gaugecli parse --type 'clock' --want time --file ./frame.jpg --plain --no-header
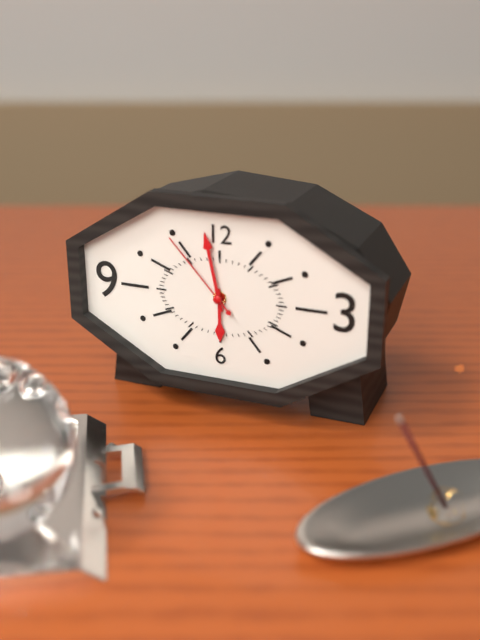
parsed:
5:58:53
